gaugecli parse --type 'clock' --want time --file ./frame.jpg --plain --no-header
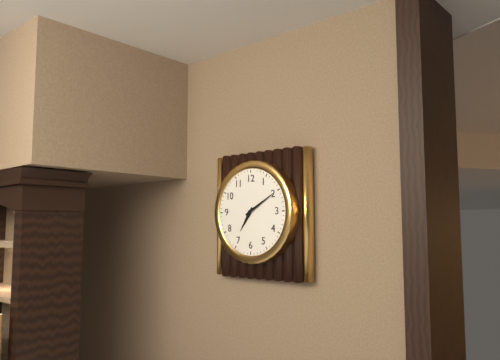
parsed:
7:10
